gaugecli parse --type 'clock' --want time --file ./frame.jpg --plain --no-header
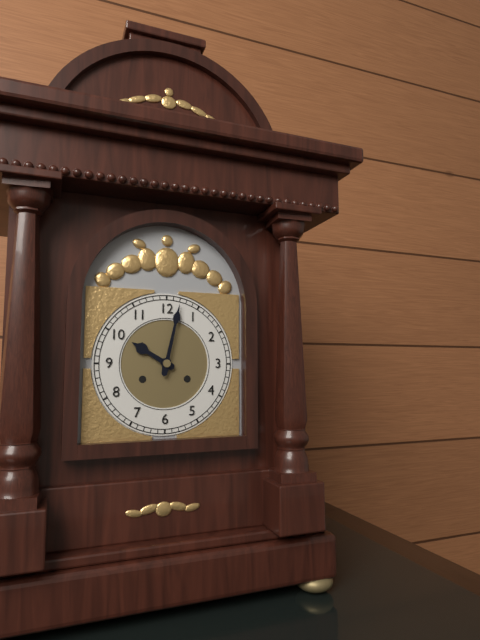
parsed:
10:02
